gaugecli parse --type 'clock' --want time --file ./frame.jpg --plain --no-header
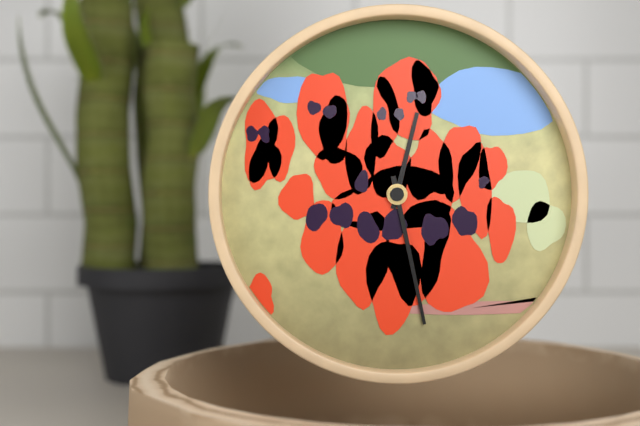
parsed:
12:28
